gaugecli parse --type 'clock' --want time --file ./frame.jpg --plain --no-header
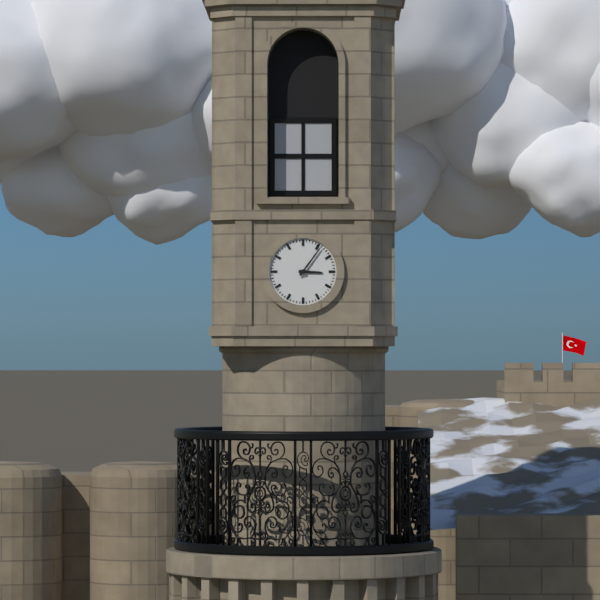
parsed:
3:06
